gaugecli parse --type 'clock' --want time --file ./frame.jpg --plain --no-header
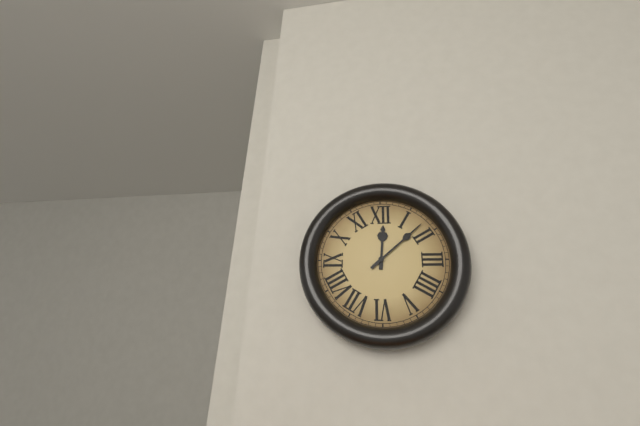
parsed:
12:08
